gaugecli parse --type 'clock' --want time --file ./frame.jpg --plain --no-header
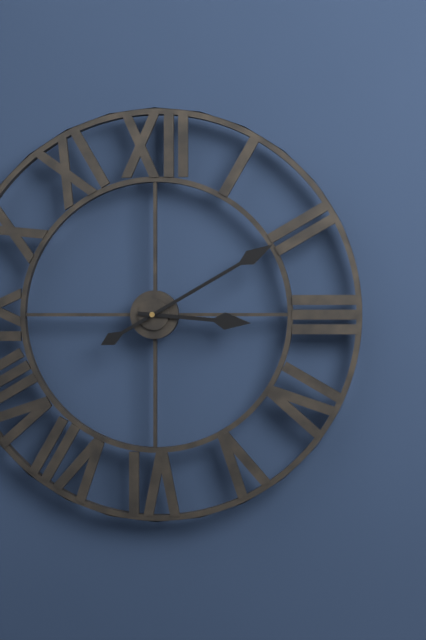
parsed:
3:10
